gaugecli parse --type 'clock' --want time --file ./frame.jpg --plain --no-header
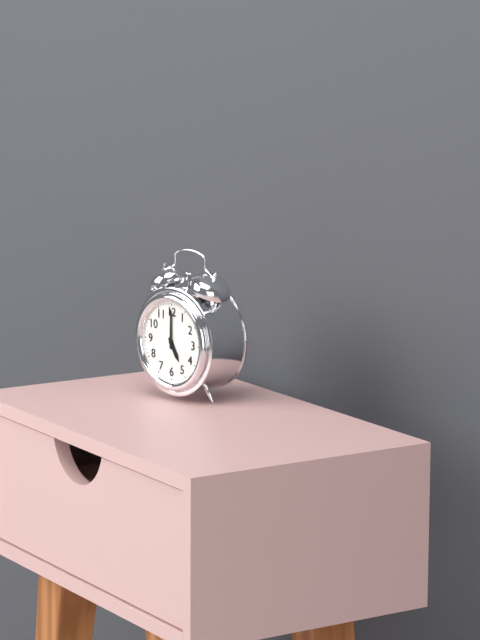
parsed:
5:00
